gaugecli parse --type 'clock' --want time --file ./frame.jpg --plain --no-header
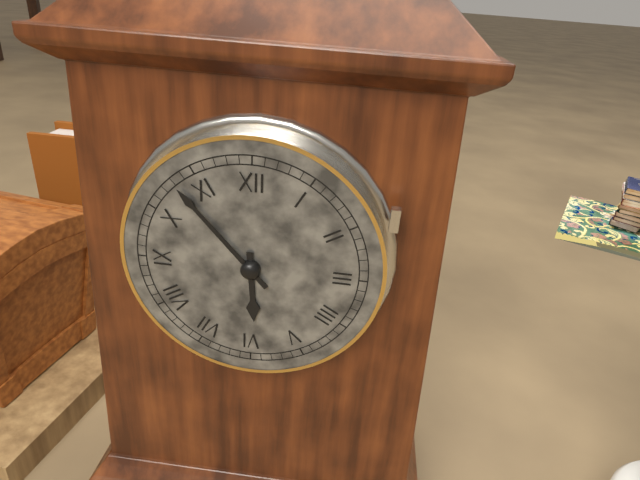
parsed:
5:53
